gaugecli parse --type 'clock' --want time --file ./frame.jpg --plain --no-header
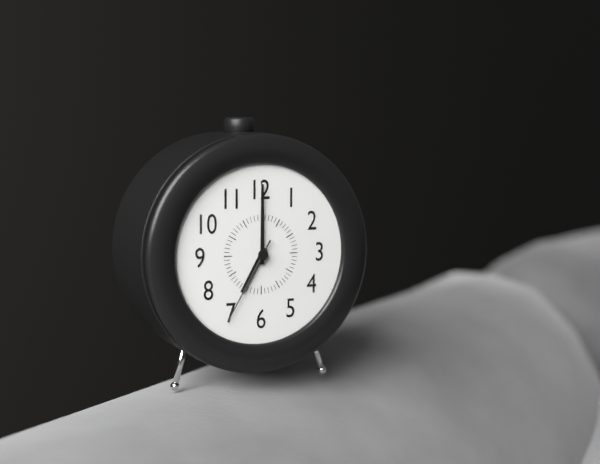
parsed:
7:00:35
